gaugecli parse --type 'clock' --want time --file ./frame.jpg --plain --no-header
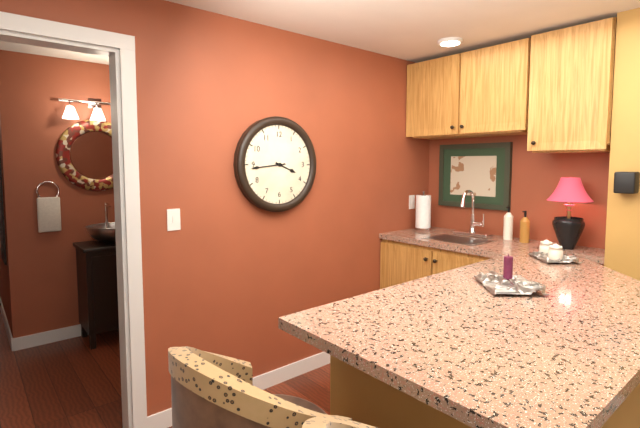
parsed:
3:44
